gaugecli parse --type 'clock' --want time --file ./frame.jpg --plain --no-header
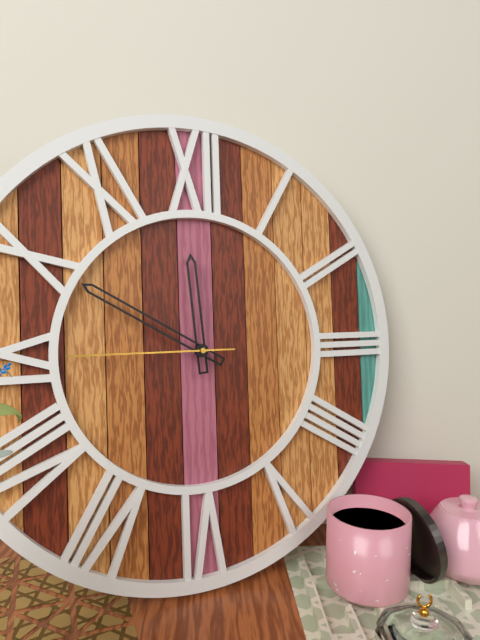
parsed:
11:50:45
